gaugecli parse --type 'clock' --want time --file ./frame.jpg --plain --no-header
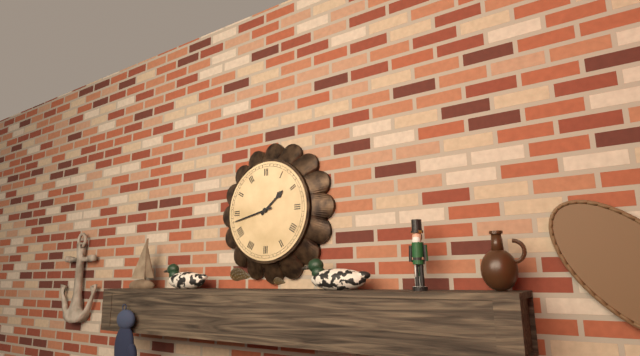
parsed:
1:43
